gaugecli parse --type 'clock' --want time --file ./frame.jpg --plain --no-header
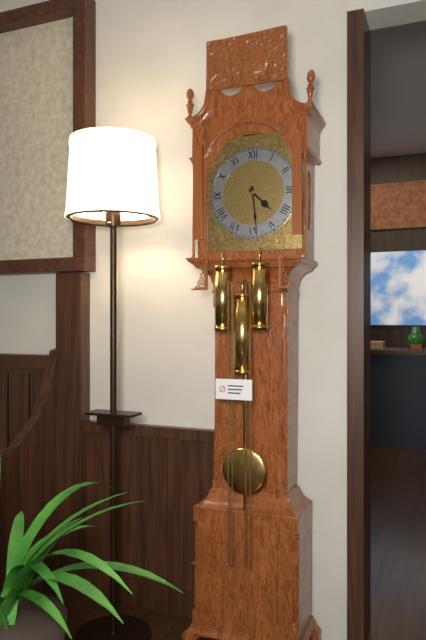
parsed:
4:29
